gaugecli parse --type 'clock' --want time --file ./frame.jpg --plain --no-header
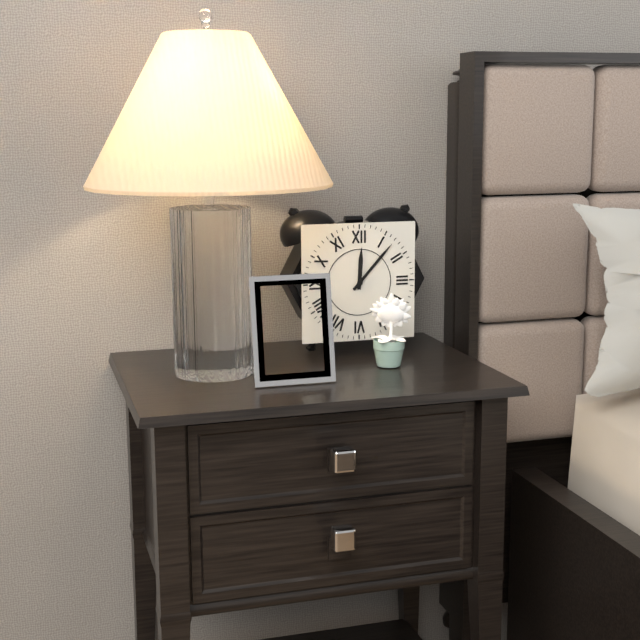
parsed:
12:07
